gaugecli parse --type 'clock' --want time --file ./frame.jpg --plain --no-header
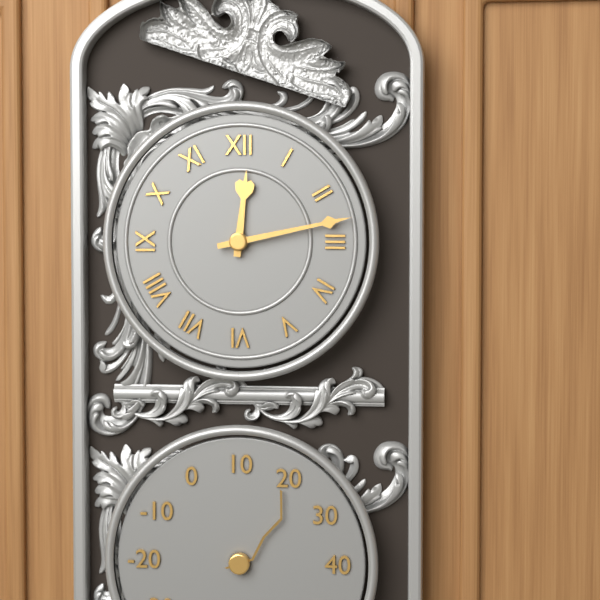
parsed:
12:13
